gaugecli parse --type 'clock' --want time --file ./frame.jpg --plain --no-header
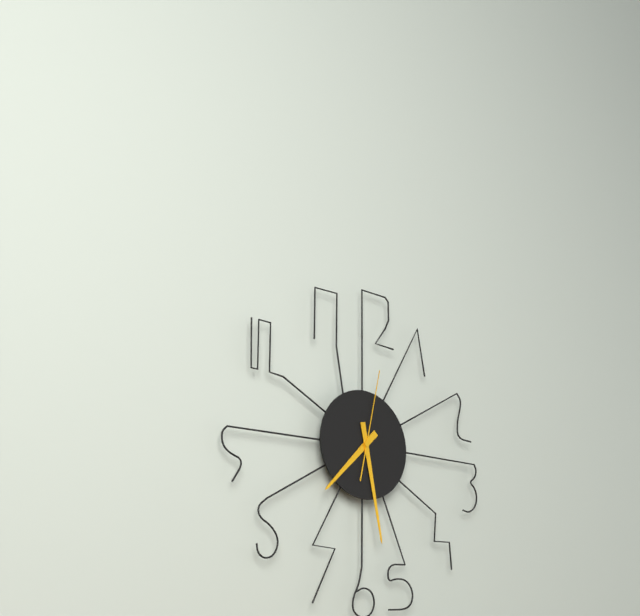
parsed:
7:28:02
